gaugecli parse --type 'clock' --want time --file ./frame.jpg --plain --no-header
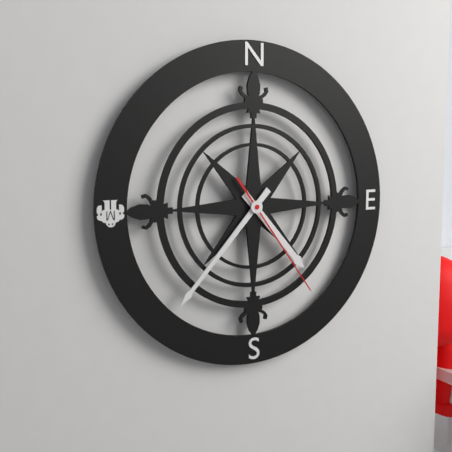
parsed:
4:37:24
